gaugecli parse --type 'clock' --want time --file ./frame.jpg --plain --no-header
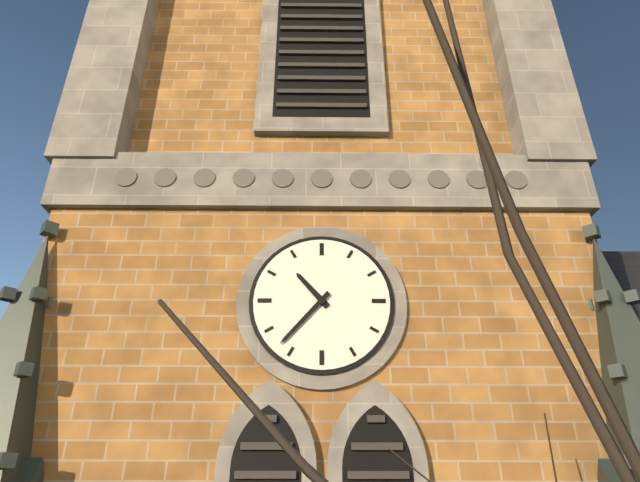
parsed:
10:37
